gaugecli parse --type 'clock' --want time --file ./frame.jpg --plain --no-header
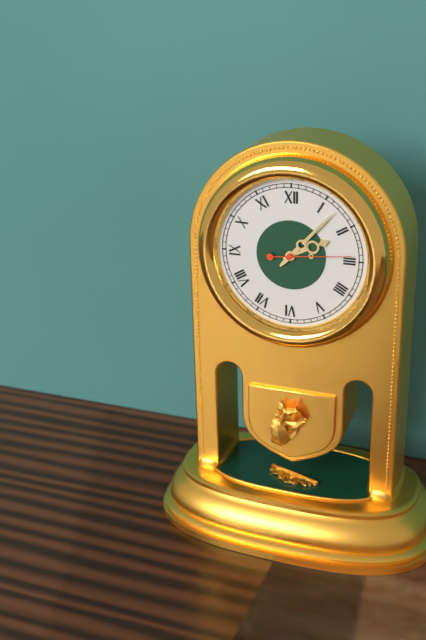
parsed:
2:07:14
